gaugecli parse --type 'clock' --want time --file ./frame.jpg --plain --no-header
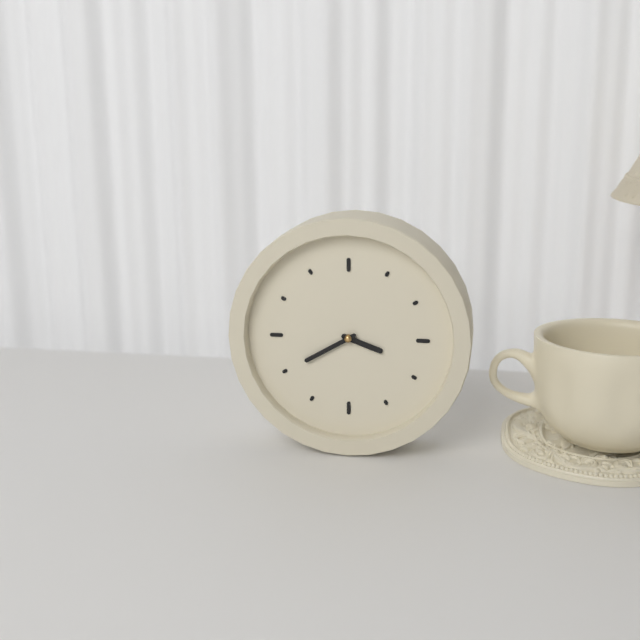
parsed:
3:40
